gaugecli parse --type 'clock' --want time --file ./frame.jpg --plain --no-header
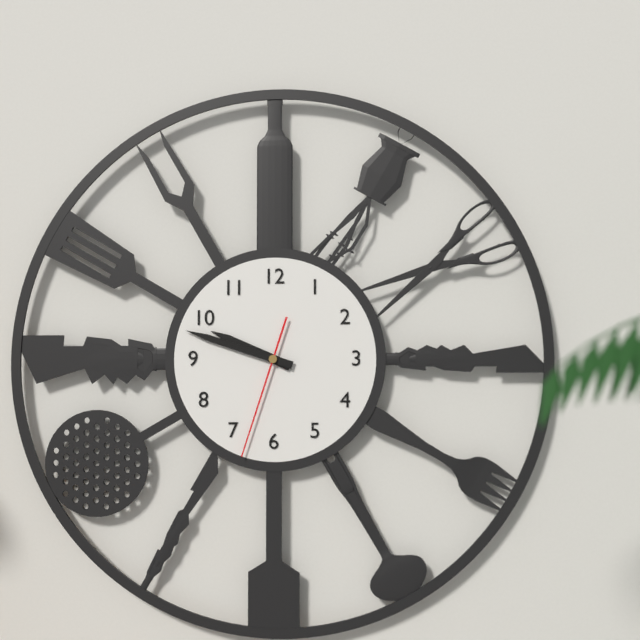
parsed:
9:48:33
